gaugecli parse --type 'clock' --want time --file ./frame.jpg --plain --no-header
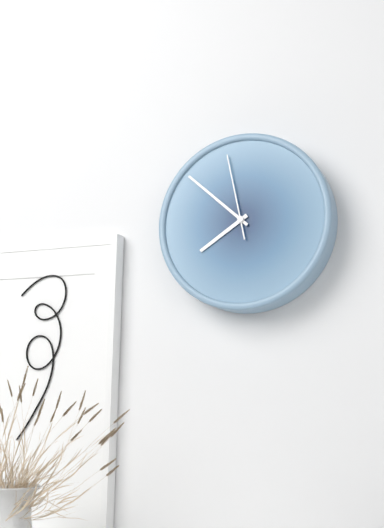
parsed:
7:52:58
